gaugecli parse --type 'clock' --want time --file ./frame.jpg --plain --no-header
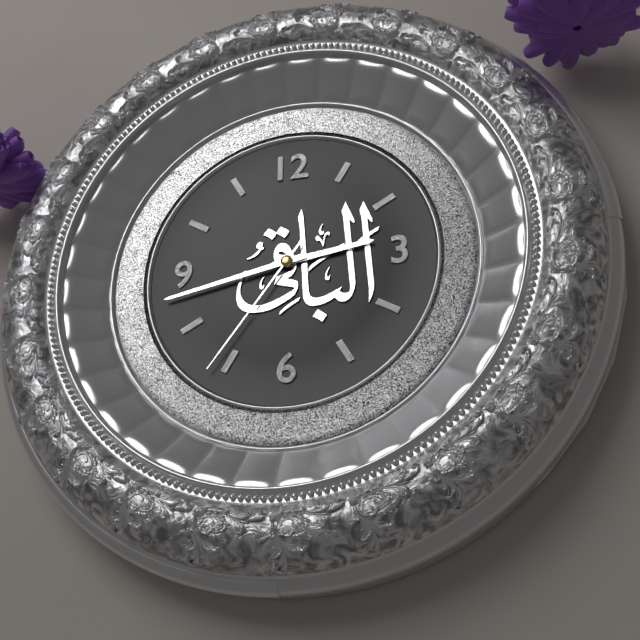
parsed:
2:43:36
